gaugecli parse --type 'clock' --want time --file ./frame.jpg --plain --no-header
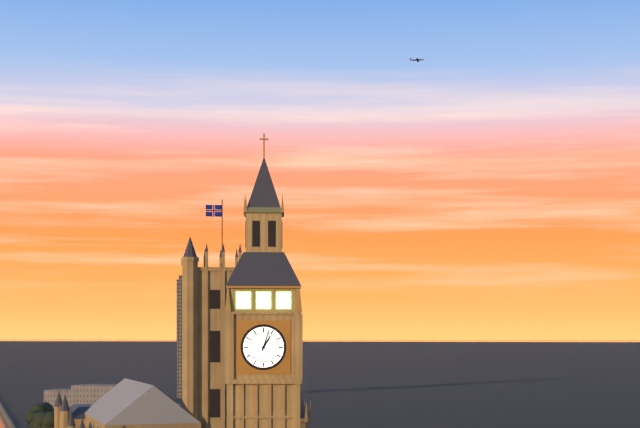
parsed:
1:03
